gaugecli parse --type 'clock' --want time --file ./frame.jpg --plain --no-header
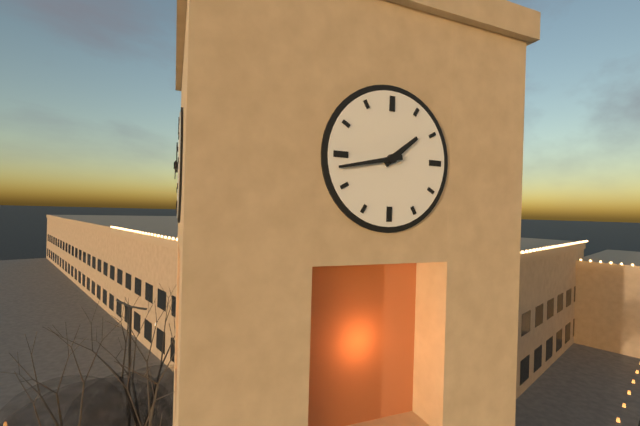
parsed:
1:43
